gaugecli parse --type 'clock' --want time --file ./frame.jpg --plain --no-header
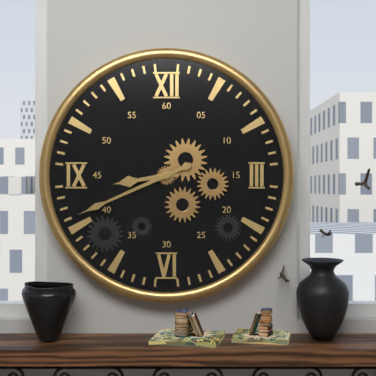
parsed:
8:41
